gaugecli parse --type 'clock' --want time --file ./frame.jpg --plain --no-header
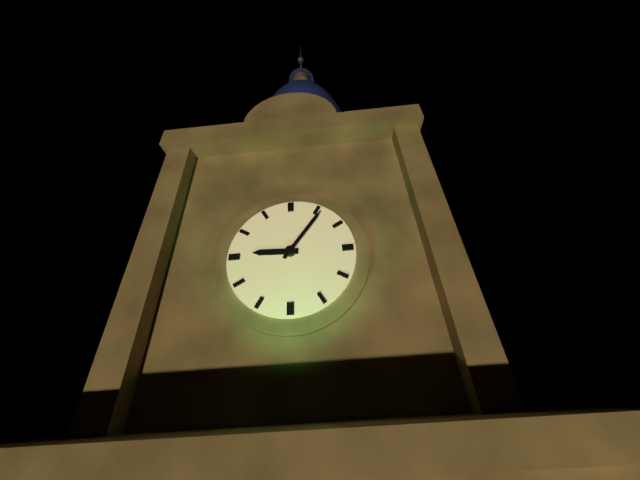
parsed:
9:06
